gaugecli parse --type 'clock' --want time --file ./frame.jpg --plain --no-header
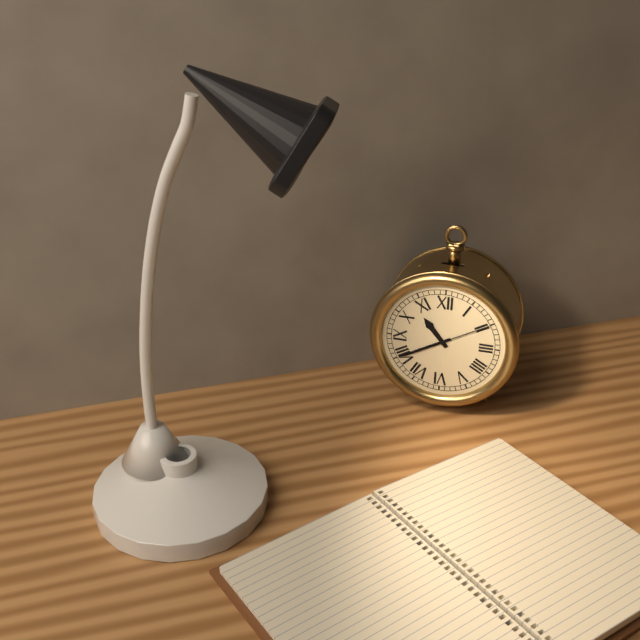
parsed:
10:40:10
